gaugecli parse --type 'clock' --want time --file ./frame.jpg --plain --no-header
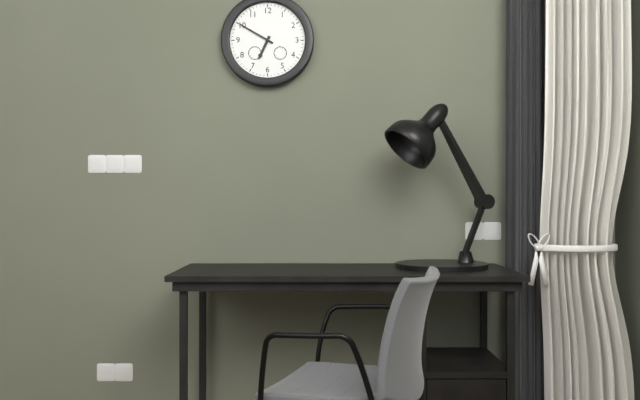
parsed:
6:50
